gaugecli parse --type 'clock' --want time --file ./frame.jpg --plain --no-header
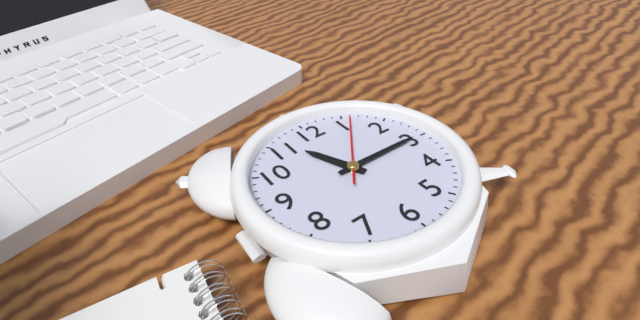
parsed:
11:15:06
